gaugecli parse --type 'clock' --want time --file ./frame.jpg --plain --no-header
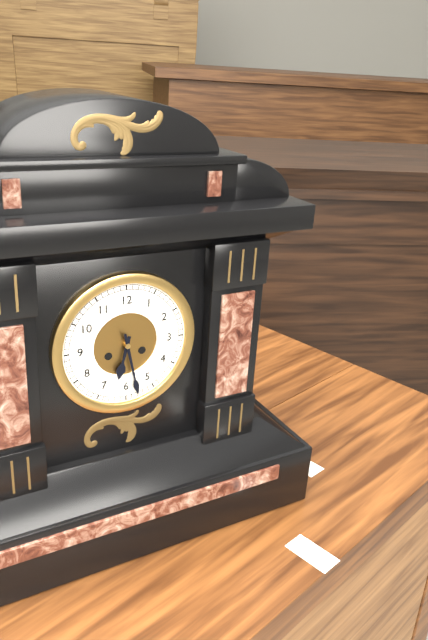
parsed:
6:28
